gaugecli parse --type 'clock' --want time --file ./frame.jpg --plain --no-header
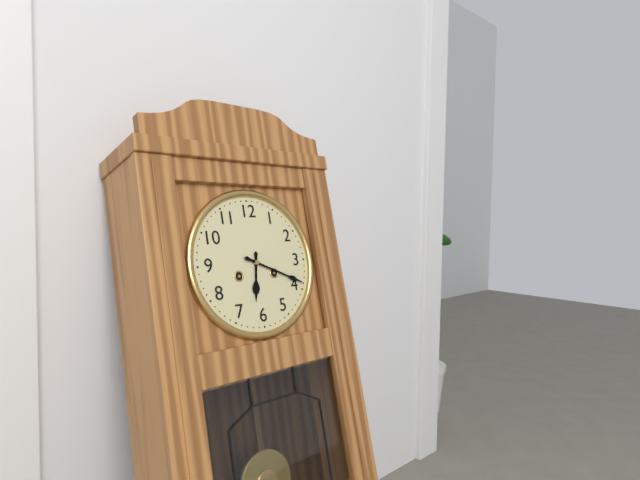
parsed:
6:19
